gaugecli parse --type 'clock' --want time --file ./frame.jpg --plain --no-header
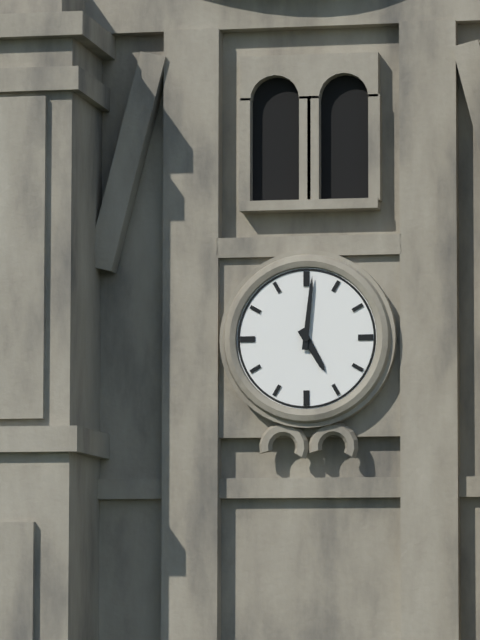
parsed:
5:01
